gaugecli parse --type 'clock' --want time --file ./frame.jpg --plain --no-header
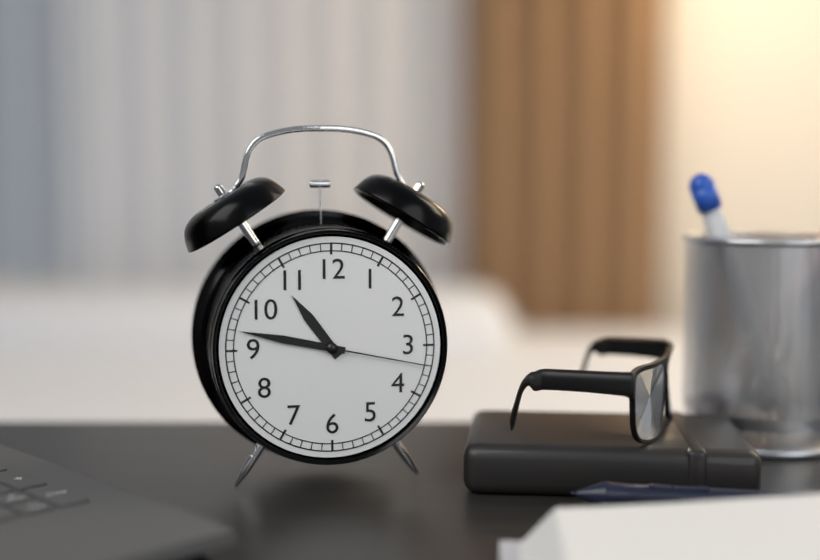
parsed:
10:47:17
